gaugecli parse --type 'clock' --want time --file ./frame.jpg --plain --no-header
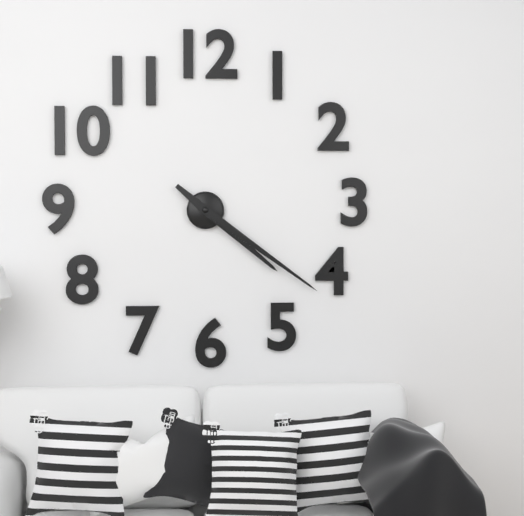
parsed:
4:21
